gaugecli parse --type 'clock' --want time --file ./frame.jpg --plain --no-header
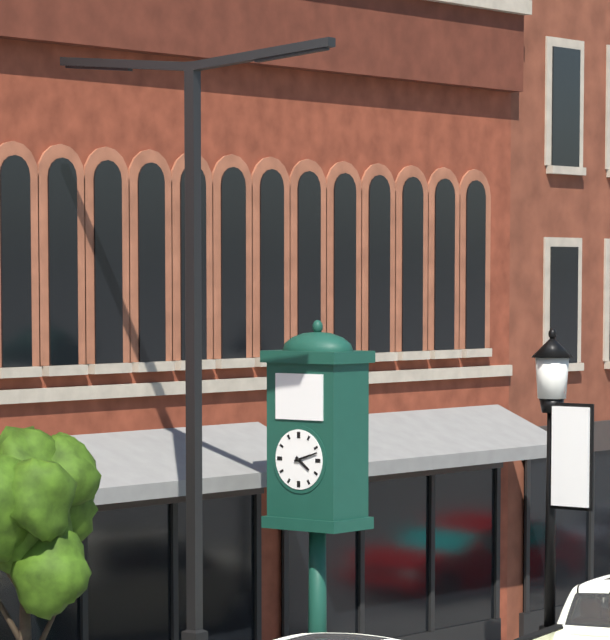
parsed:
4:12
